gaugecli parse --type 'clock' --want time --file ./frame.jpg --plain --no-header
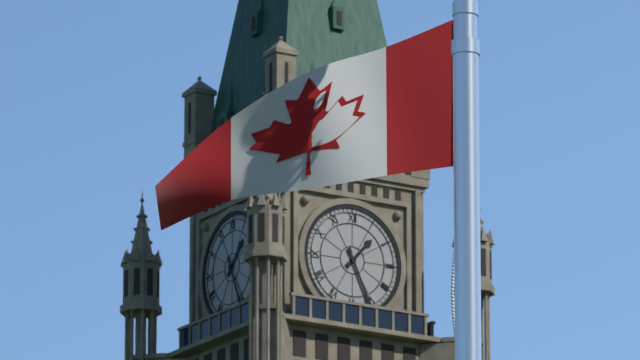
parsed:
1:26
